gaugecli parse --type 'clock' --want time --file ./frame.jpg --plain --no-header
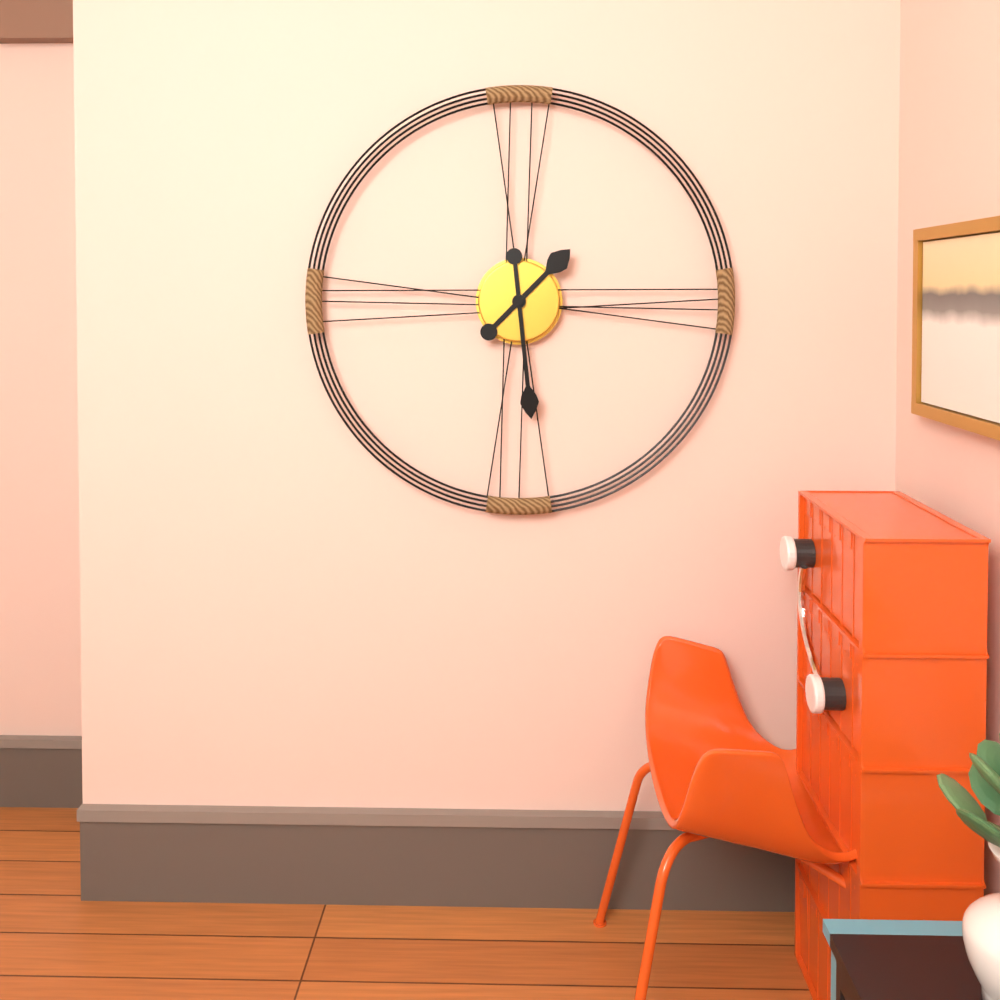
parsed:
1:29
